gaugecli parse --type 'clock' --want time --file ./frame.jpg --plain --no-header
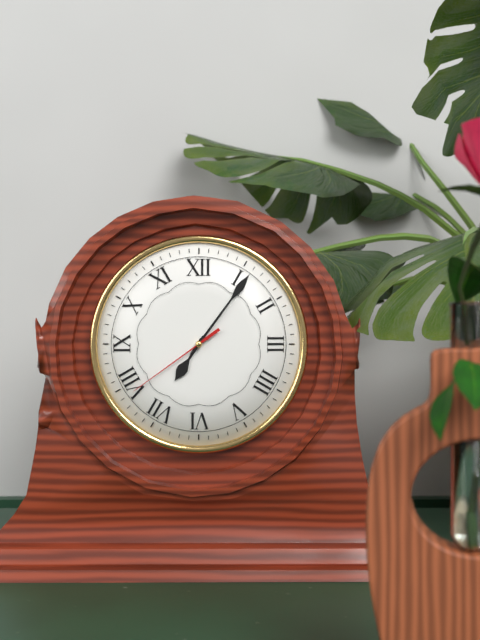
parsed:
7:06:39
